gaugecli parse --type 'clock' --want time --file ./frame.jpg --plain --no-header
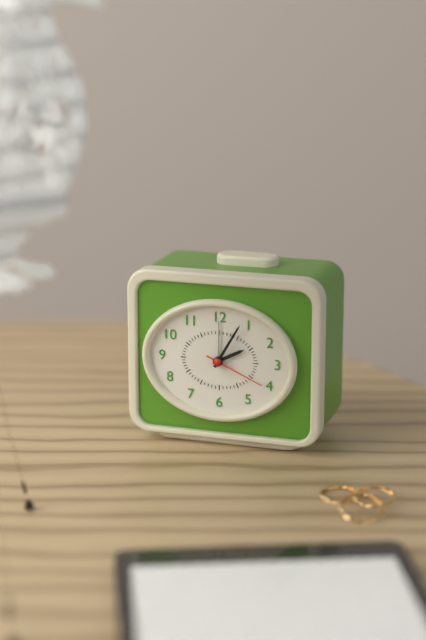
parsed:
2:05:19
